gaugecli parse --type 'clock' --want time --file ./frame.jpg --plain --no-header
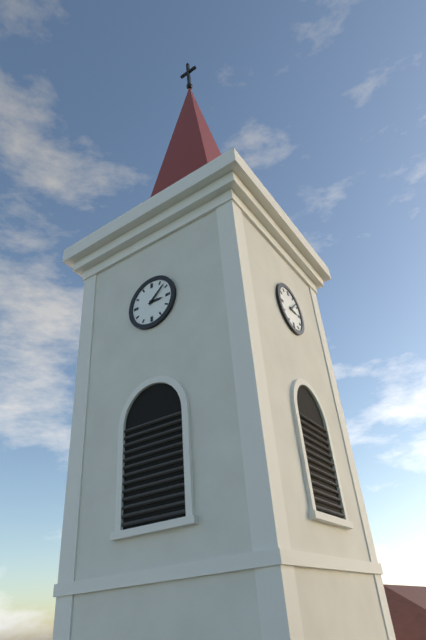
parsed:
3:08
